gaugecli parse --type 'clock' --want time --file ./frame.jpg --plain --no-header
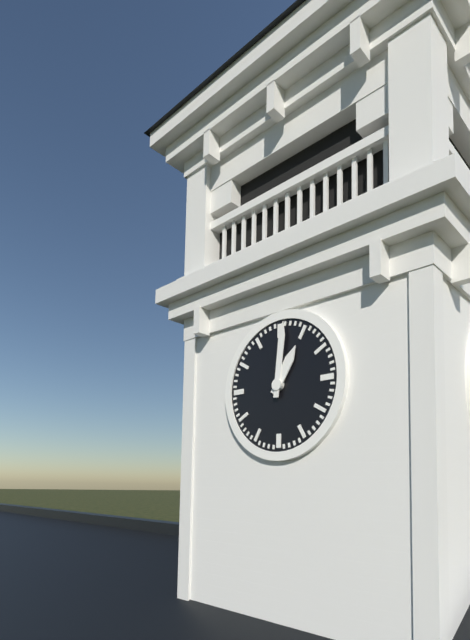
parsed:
1:01
